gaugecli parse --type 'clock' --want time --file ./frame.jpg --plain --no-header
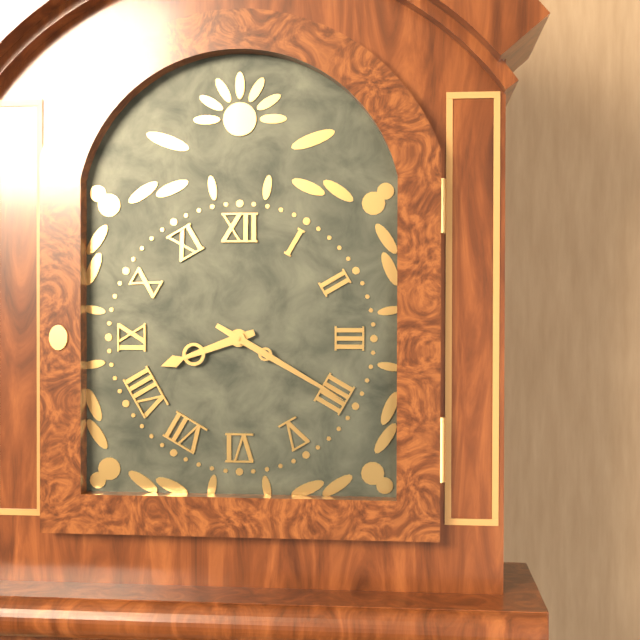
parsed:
8:20
